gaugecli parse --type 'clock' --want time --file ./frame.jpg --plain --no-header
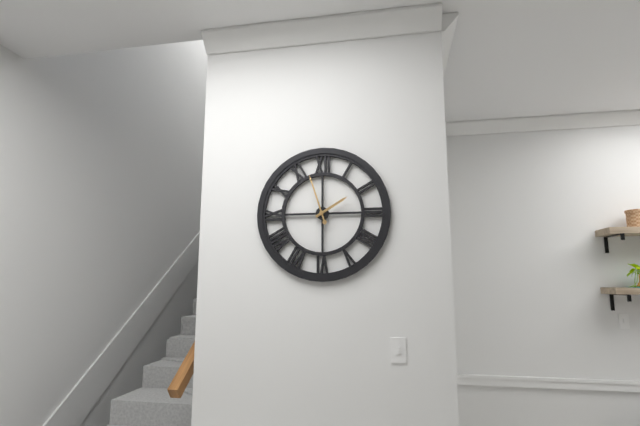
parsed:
1:57
